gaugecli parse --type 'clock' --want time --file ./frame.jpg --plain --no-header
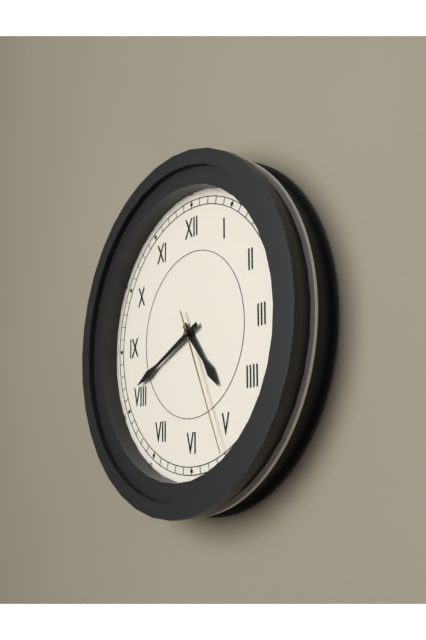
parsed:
4:41:26
